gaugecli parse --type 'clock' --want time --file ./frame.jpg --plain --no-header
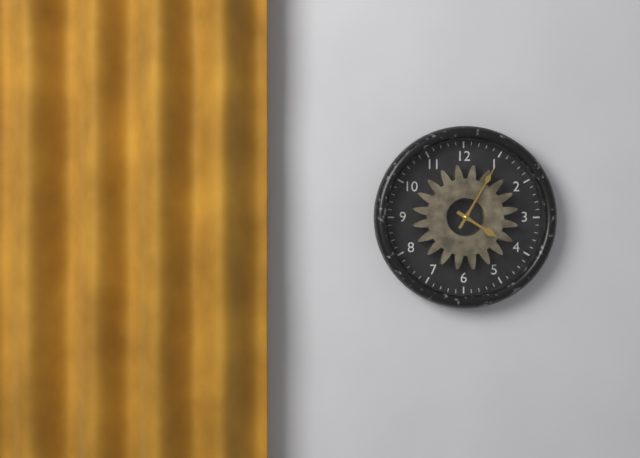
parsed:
4:05
